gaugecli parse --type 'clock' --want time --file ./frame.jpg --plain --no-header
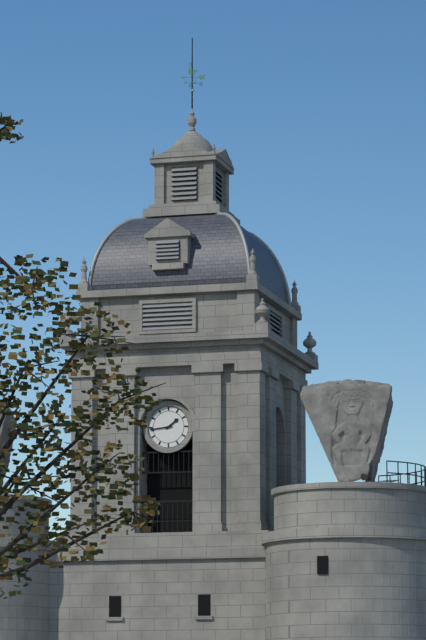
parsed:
1:44
